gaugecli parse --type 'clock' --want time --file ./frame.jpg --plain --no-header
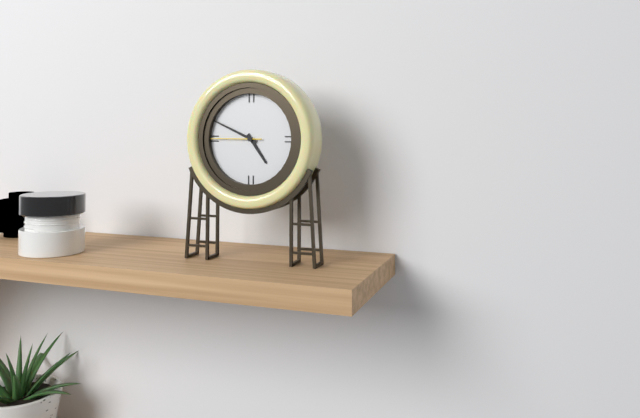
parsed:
4:49:45
